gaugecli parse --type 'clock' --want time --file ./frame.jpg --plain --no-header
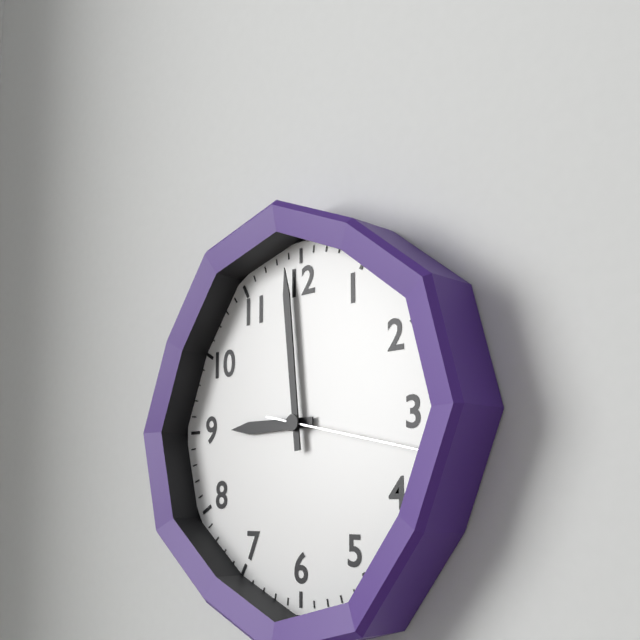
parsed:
8:59:17
